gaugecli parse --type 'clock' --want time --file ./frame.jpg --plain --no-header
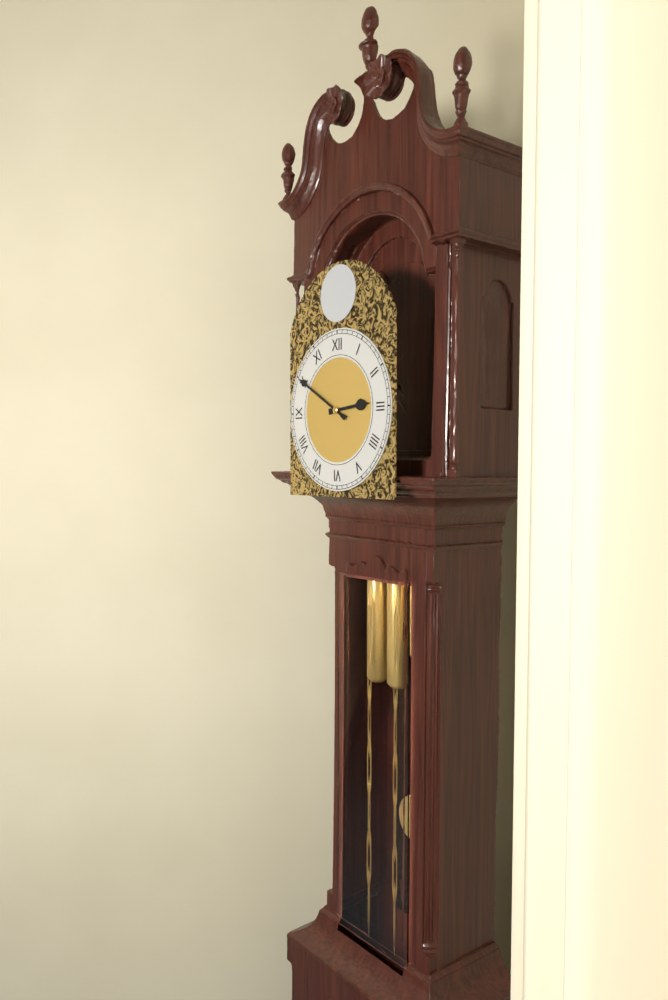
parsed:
2:50
